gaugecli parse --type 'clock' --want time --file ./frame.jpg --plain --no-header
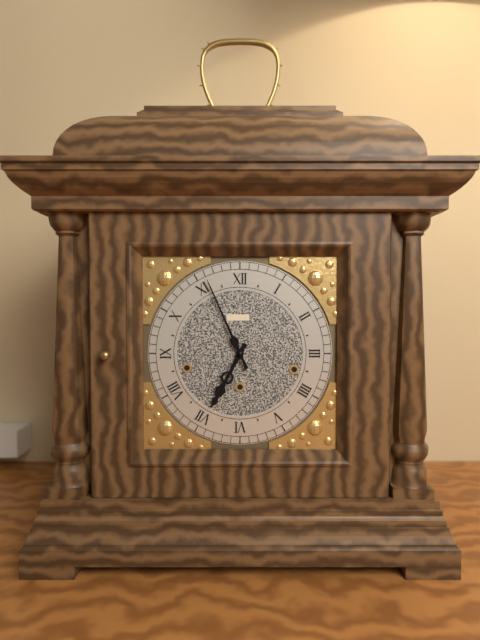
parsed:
6:56
